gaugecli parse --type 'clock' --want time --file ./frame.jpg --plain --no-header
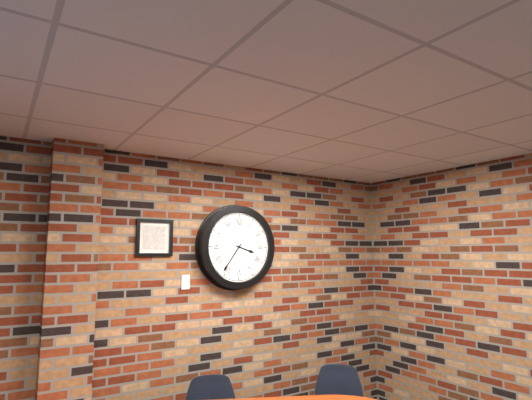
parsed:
3:36
